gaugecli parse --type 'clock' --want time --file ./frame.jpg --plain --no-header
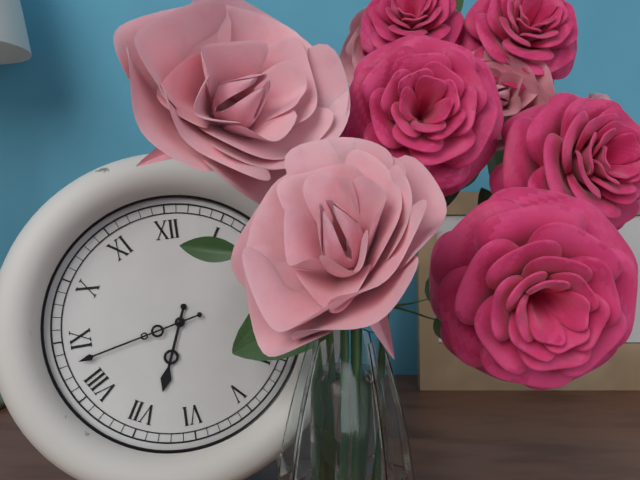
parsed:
6:43
